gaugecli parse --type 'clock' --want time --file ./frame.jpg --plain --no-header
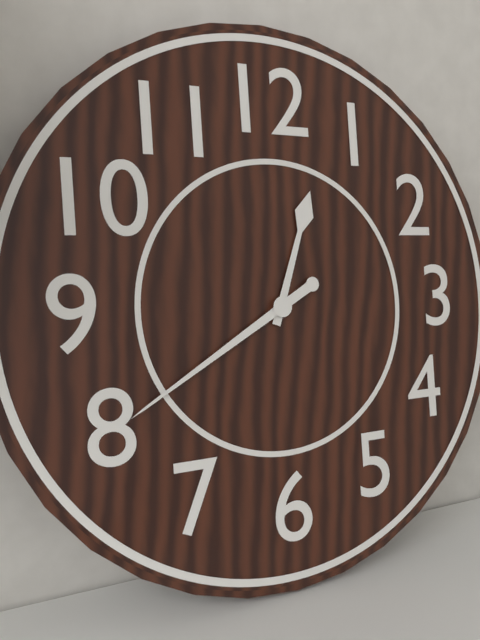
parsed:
12:40
